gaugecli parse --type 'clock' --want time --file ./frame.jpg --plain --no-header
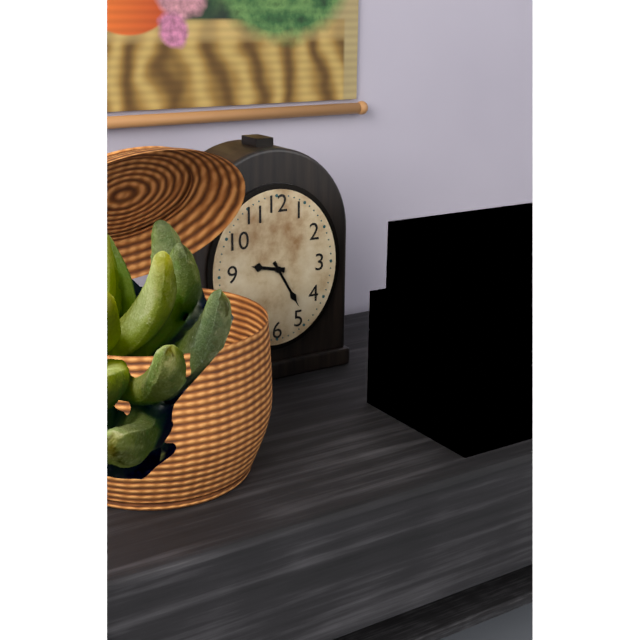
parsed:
9:25
